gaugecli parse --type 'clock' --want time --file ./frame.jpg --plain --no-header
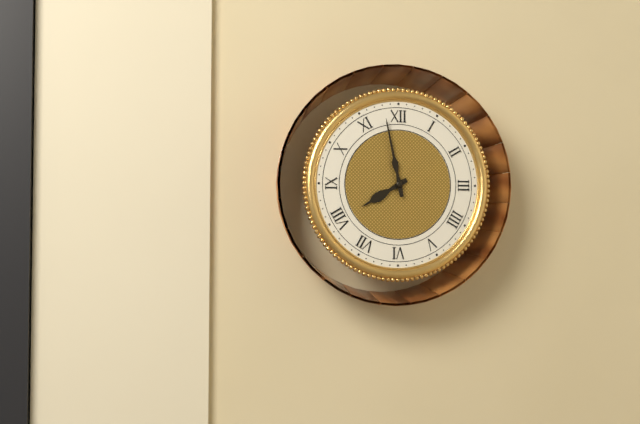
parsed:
7:58
